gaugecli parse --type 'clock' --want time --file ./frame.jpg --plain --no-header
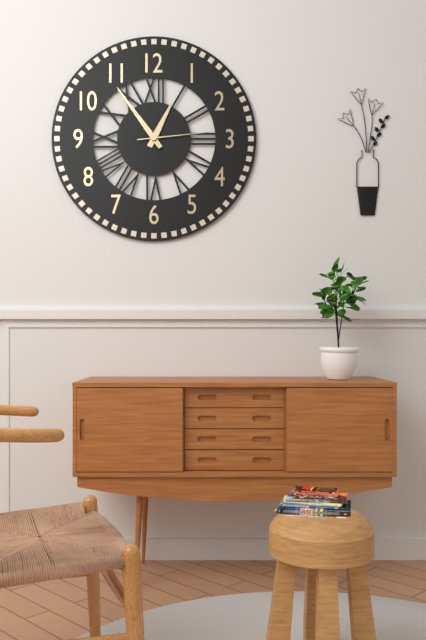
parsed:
12:54:14
